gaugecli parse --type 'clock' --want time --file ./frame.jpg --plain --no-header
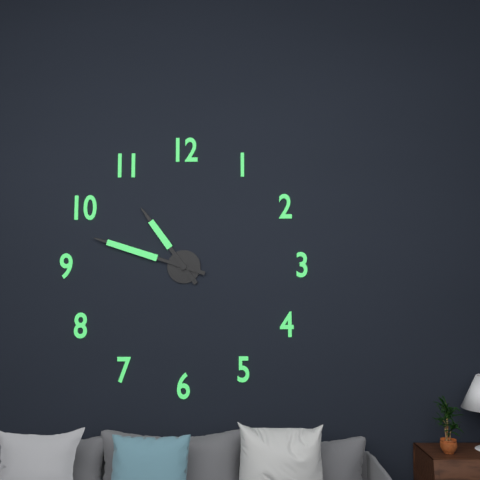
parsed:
10:48
